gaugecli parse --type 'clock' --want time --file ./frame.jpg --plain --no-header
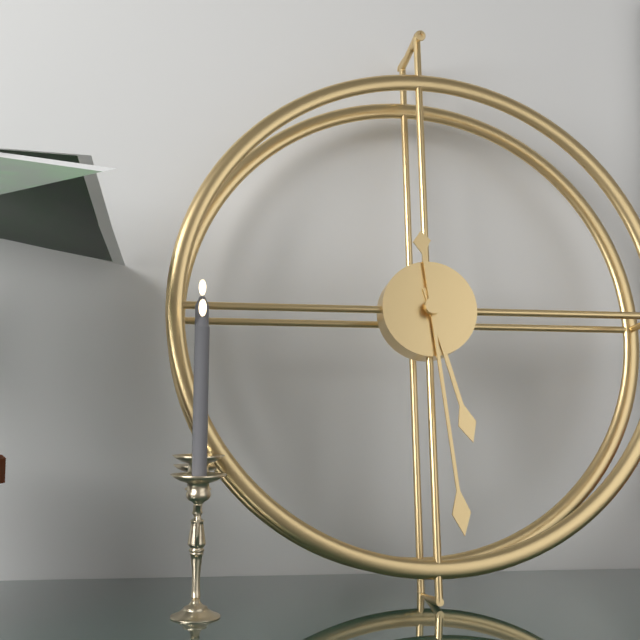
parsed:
5:29
